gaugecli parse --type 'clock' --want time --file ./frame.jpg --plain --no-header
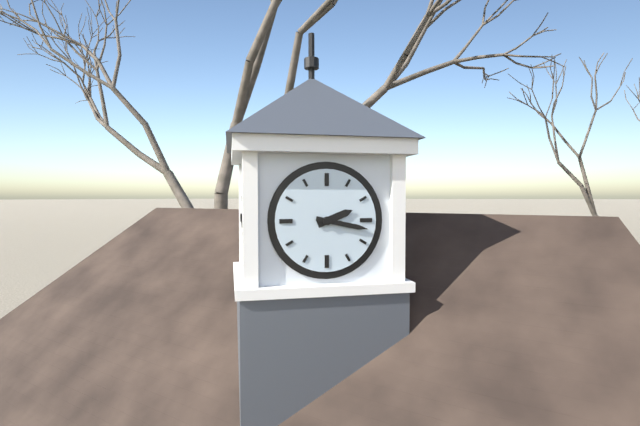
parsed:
2:17
